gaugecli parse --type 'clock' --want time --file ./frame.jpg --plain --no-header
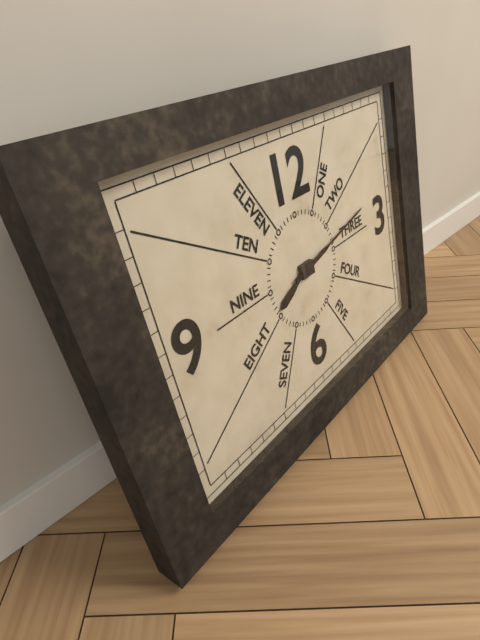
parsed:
8:13
